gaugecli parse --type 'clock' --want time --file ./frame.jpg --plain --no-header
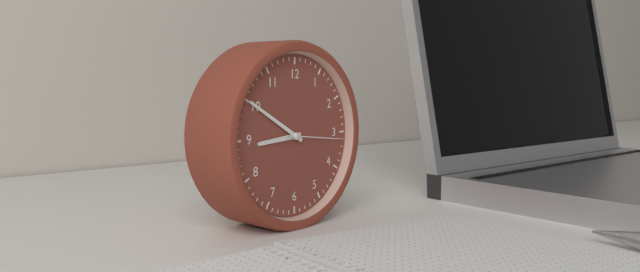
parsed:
8:50:16
